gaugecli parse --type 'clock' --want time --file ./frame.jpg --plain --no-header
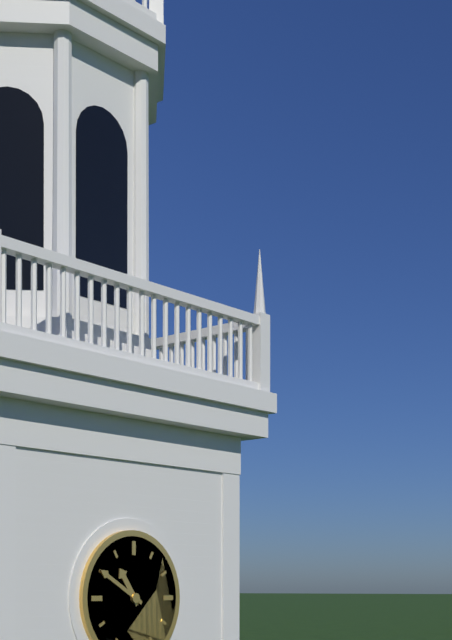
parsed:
10:50
